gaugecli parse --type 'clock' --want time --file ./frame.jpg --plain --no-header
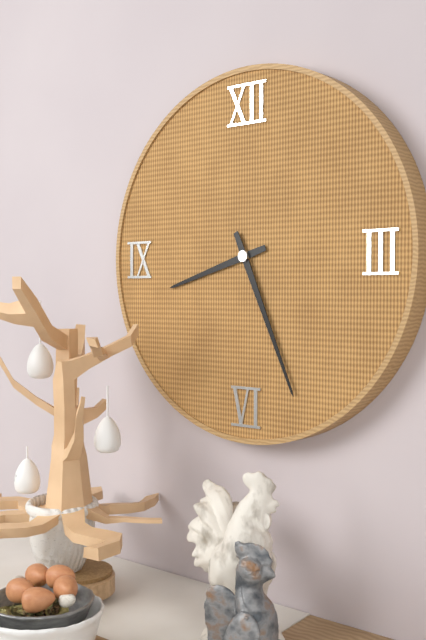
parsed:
8:26
